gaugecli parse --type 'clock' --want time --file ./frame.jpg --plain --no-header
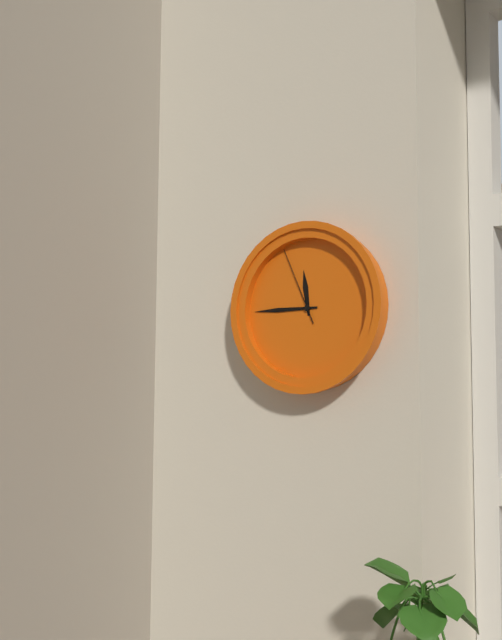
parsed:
11:45:56
